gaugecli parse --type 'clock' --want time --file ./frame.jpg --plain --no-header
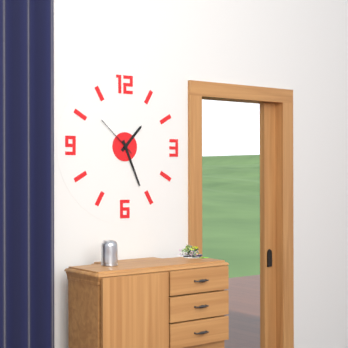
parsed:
1:26
